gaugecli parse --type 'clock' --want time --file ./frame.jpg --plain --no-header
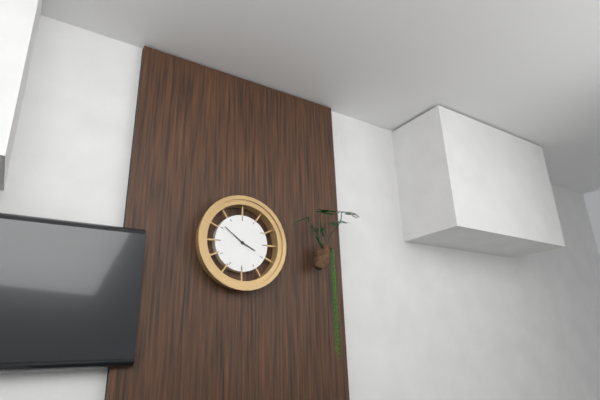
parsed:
3:51
